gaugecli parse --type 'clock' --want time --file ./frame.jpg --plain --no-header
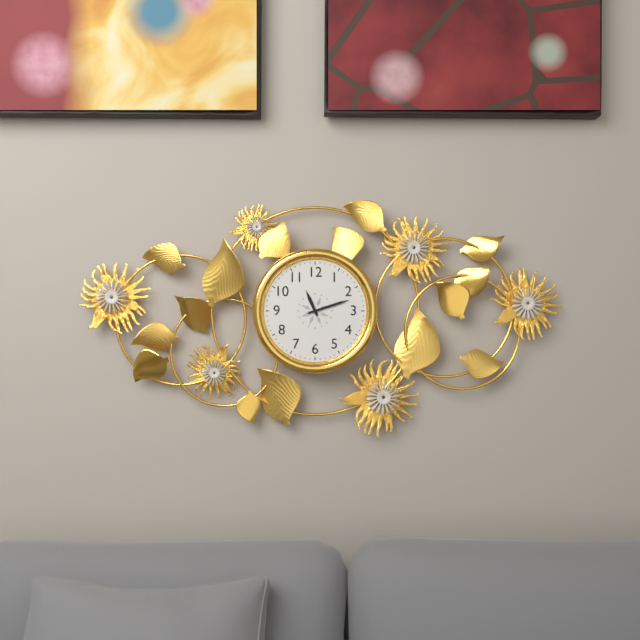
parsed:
11:12
